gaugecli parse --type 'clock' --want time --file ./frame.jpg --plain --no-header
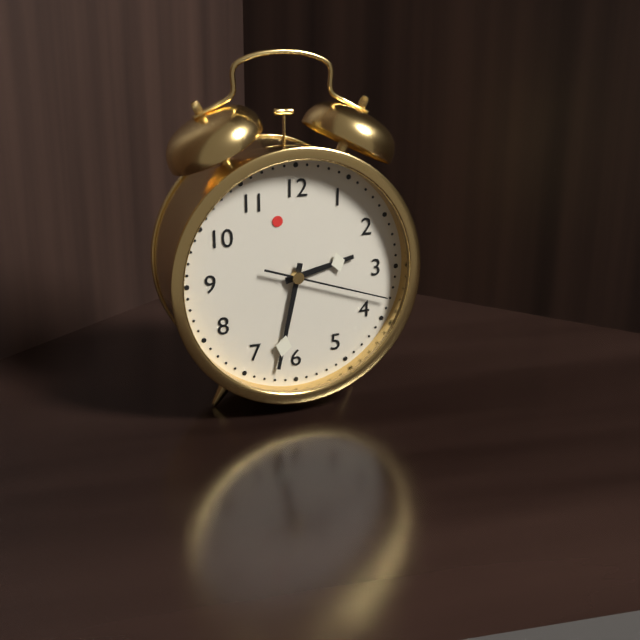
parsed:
2:32:18
